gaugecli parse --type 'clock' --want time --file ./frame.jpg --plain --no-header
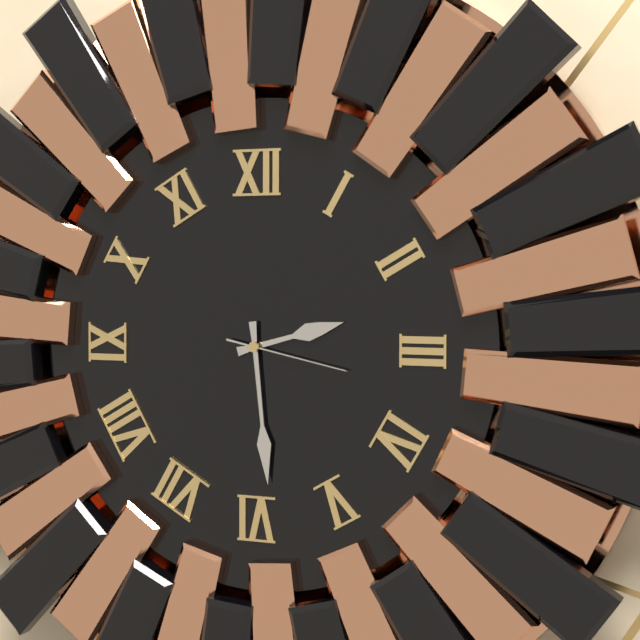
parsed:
2:29:17
